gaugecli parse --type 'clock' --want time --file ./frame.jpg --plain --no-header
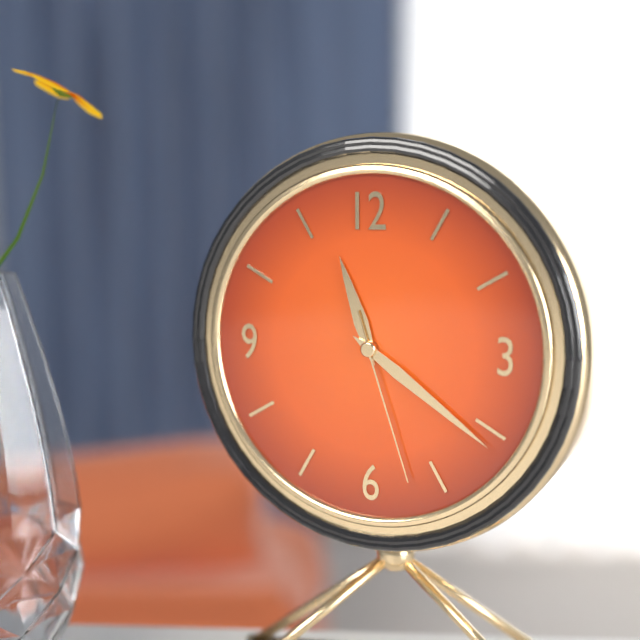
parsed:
11:21:27
